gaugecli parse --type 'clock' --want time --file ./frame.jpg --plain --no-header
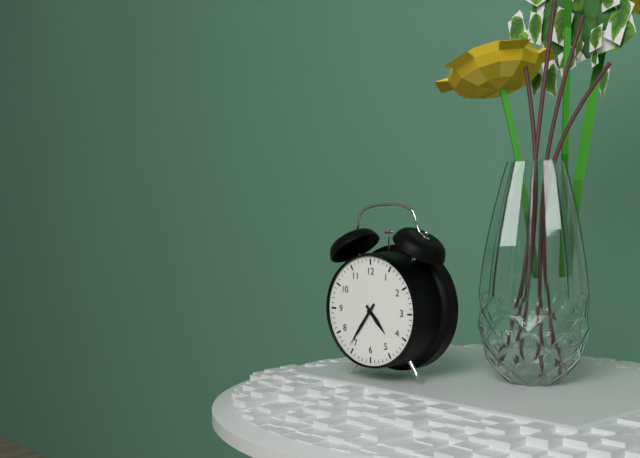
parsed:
4:36
